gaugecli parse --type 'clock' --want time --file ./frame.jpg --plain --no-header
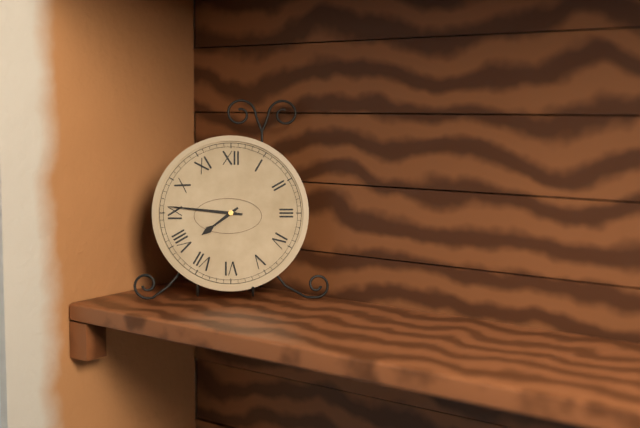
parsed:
7:46
